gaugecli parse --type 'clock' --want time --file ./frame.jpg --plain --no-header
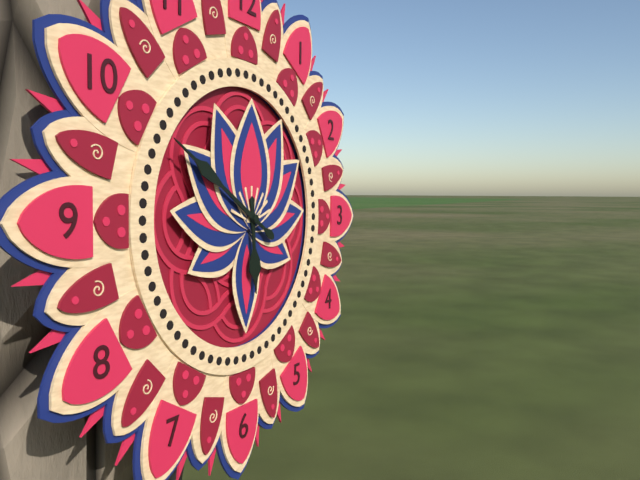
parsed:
5:50
